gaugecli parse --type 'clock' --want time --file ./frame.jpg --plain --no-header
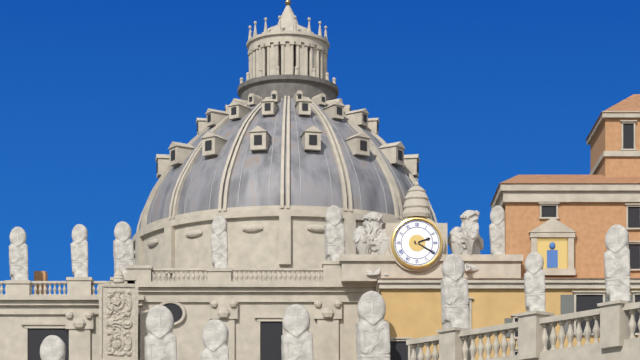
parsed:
2:20
